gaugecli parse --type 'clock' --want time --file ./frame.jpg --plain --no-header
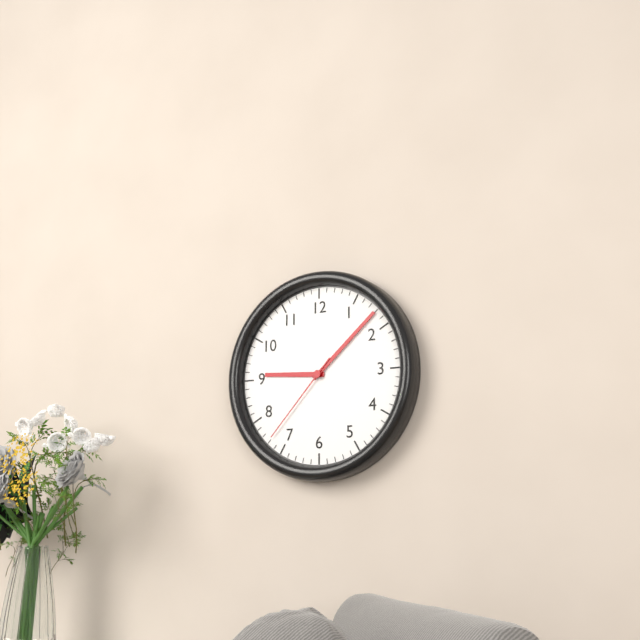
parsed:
9:08:37
